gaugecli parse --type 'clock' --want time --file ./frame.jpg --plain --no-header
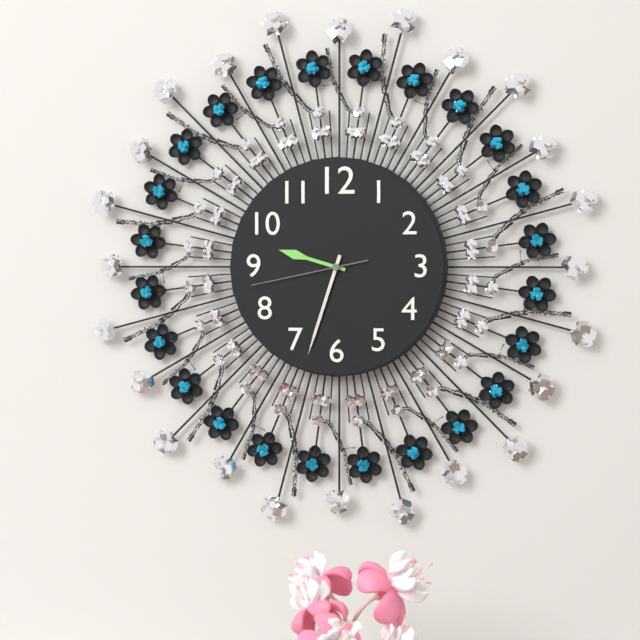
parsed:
9:33:43
